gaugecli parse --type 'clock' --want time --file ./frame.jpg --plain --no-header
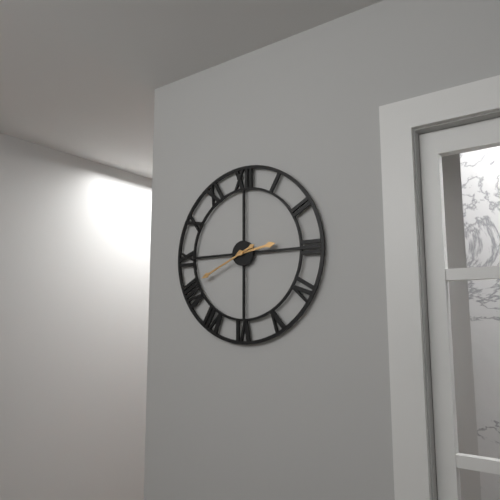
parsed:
2:41
